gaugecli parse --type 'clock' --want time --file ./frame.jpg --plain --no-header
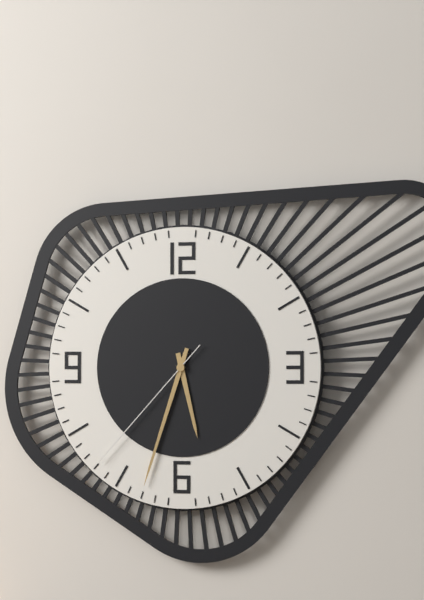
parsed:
5:33:37
